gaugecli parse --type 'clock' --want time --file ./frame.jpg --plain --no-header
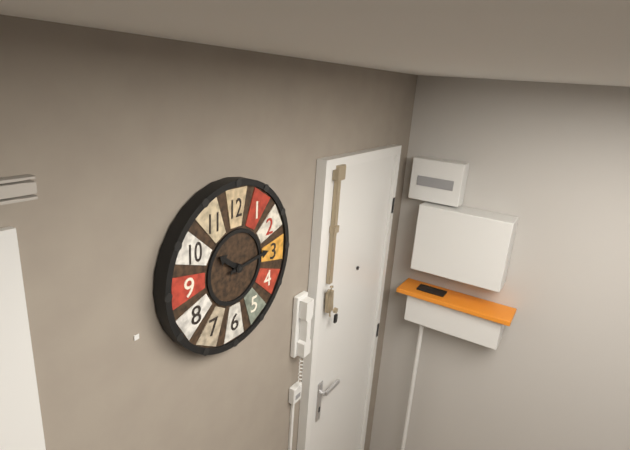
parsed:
10:14
